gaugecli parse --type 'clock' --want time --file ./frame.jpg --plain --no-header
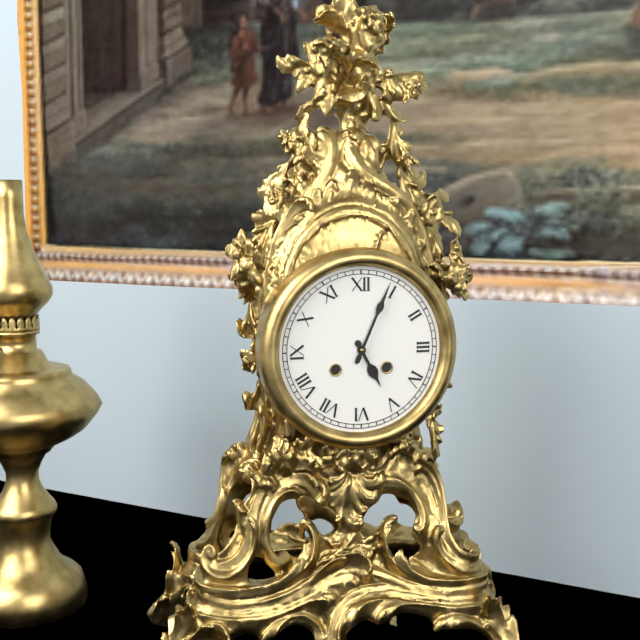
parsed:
5:04
